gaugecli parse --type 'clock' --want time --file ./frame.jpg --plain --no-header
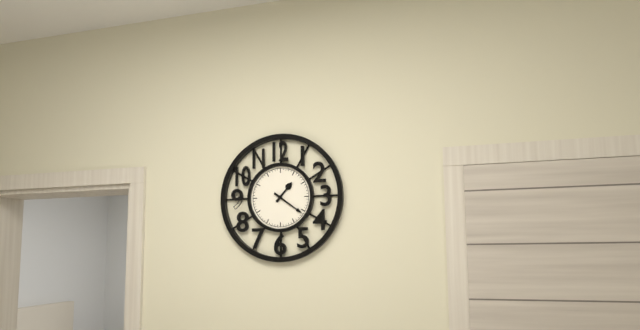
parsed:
1:21
